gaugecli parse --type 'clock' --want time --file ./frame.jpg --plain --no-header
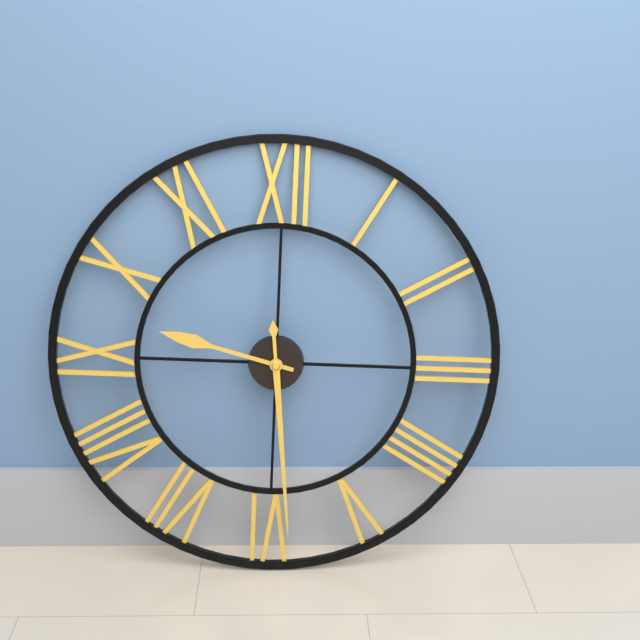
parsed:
9:29
